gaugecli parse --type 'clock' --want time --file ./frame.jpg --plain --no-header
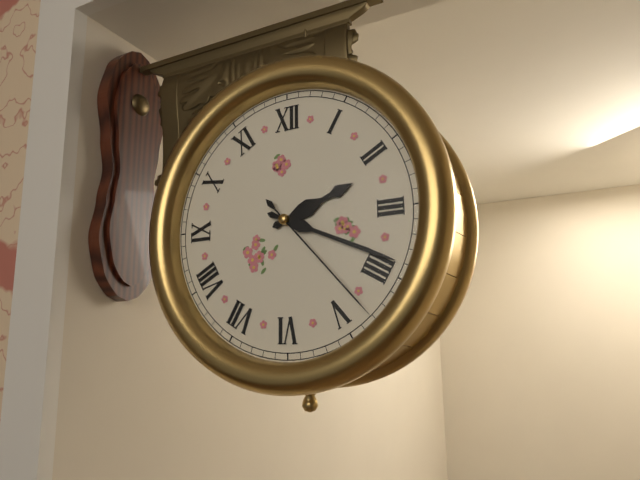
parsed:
2:19:23
